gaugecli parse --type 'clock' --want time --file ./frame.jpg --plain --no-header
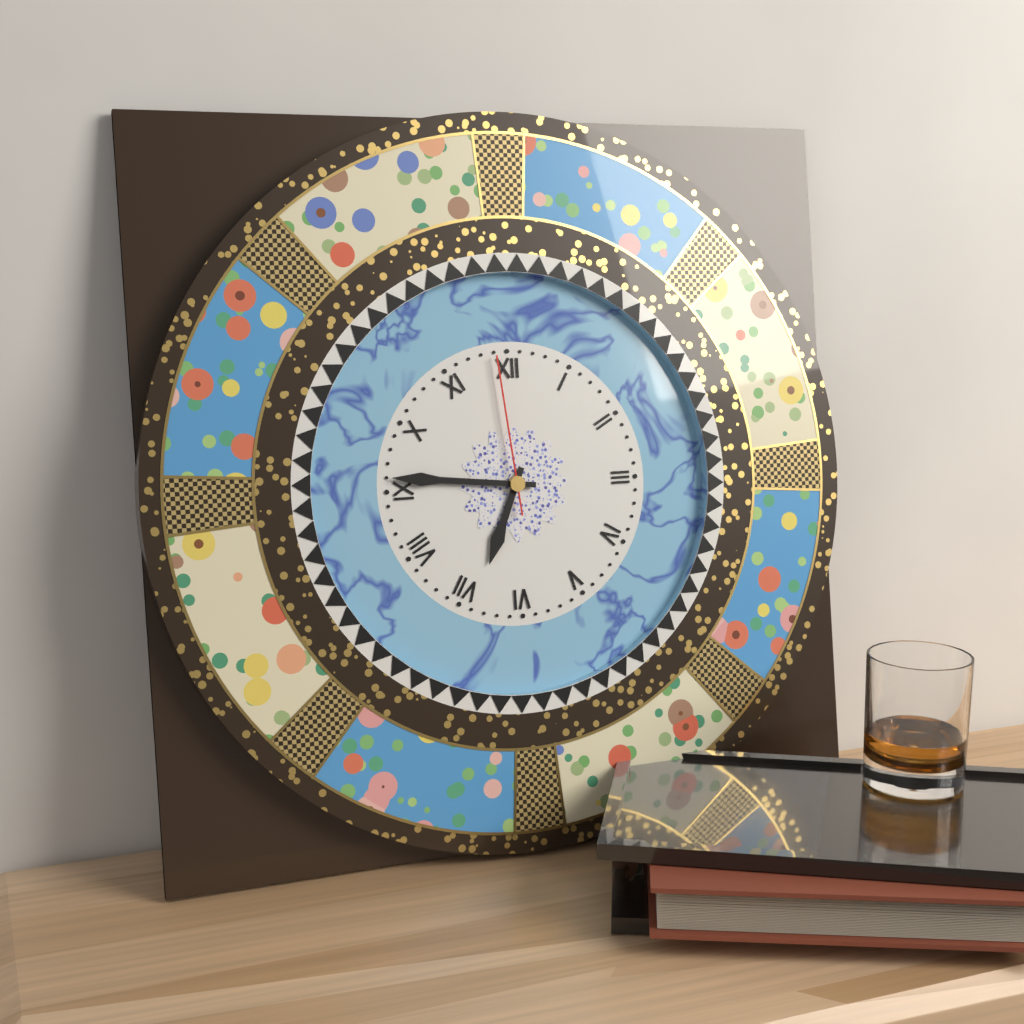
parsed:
6:46:59
